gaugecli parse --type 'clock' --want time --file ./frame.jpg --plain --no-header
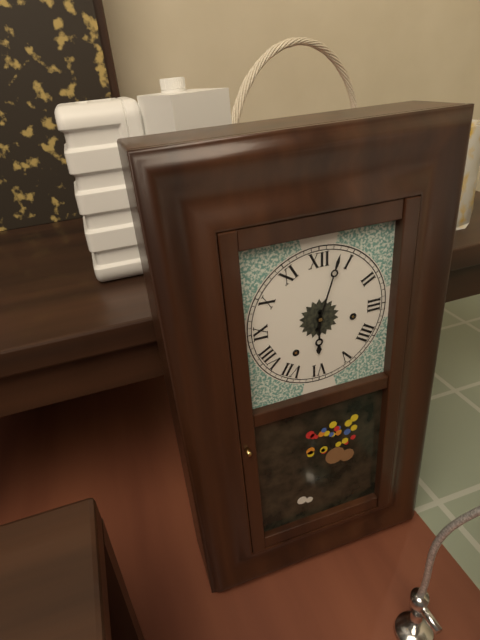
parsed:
6:03
